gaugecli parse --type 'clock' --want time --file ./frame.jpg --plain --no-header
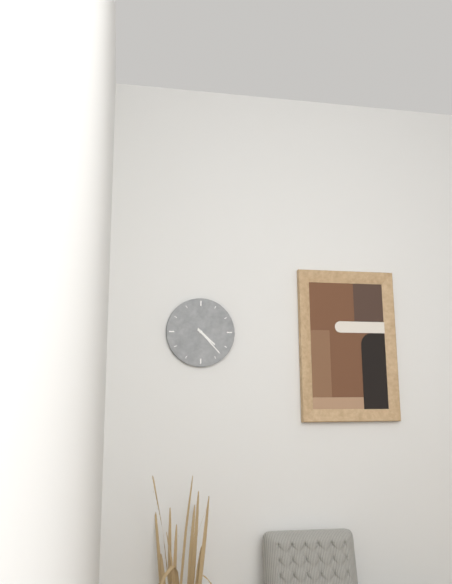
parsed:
4:23
